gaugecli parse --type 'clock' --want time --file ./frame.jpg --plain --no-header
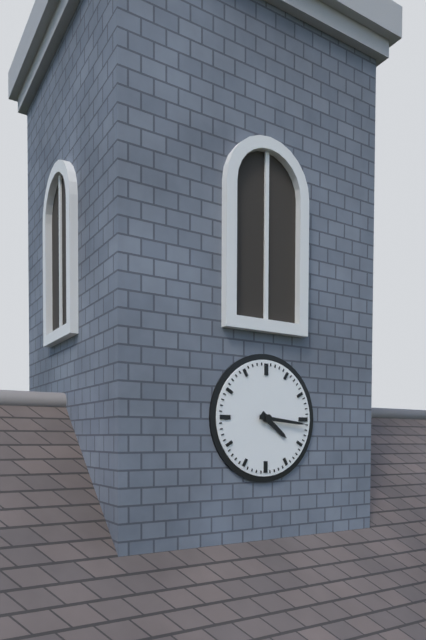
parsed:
4:16
